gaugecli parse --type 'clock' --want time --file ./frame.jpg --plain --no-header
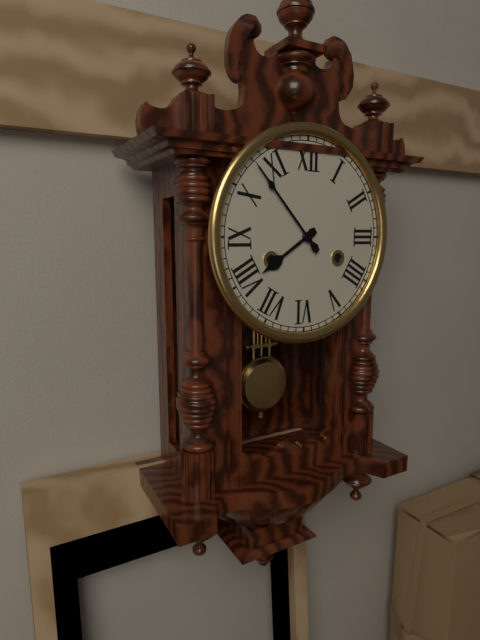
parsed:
7:53
